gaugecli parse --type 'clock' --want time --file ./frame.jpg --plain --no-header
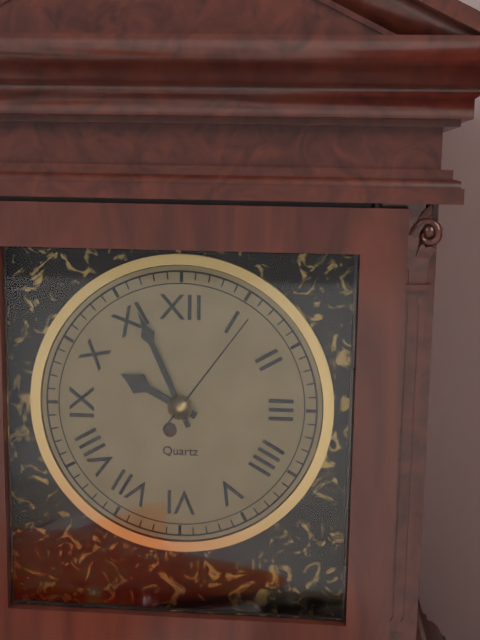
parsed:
9:56:06
